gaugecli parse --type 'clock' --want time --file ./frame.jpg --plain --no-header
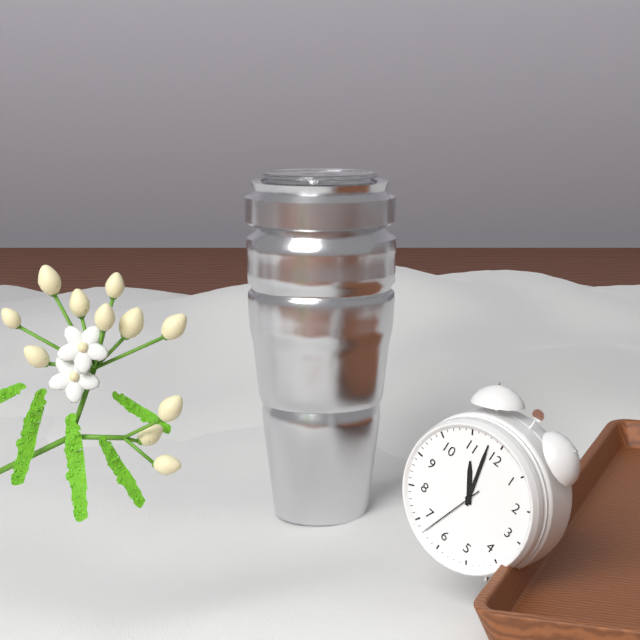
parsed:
10:58:33
